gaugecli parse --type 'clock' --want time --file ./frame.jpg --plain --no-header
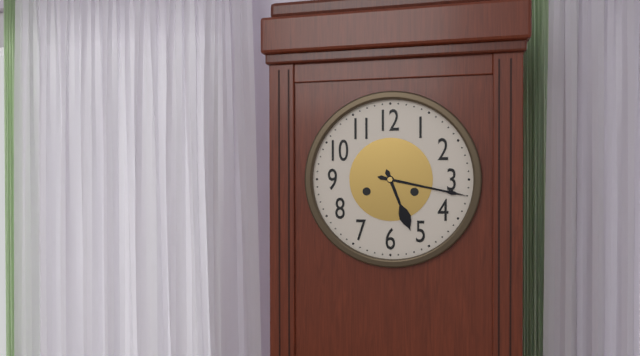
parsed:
5:17
